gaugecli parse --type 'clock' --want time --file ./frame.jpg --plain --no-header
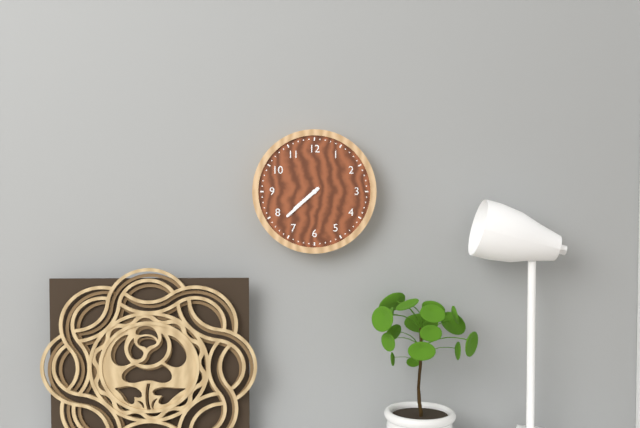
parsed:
7:38
